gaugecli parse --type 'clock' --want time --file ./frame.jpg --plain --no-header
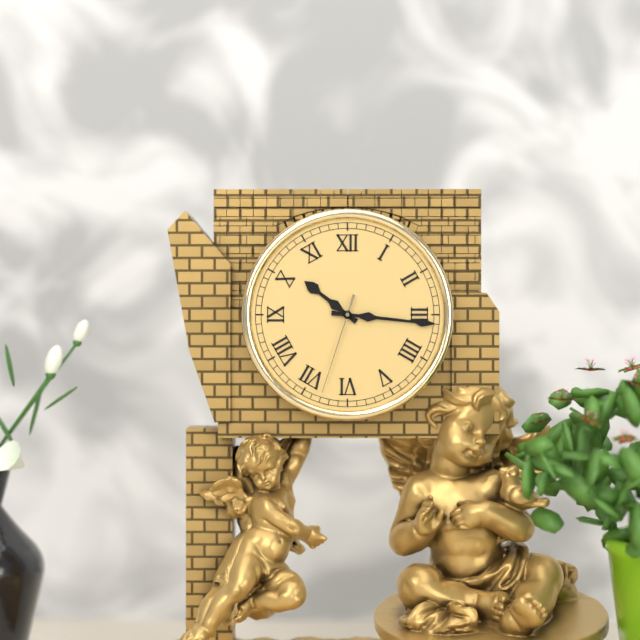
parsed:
10:16:33
